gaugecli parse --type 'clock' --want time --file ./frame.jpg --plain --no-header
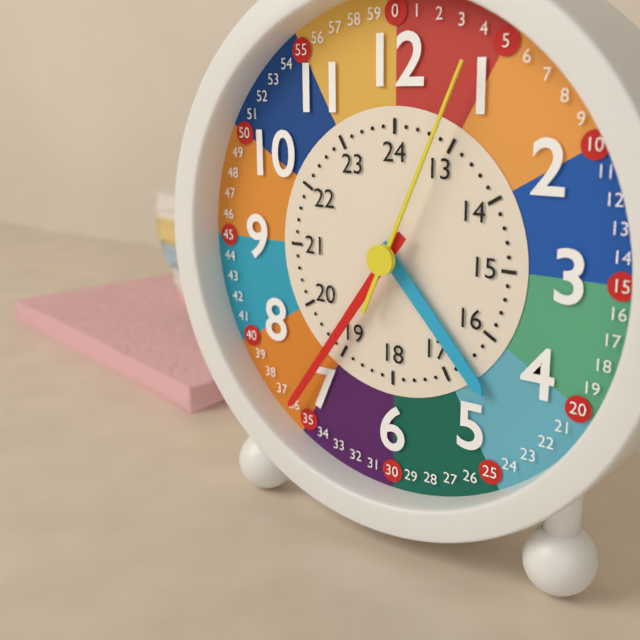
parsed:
4:36:04
